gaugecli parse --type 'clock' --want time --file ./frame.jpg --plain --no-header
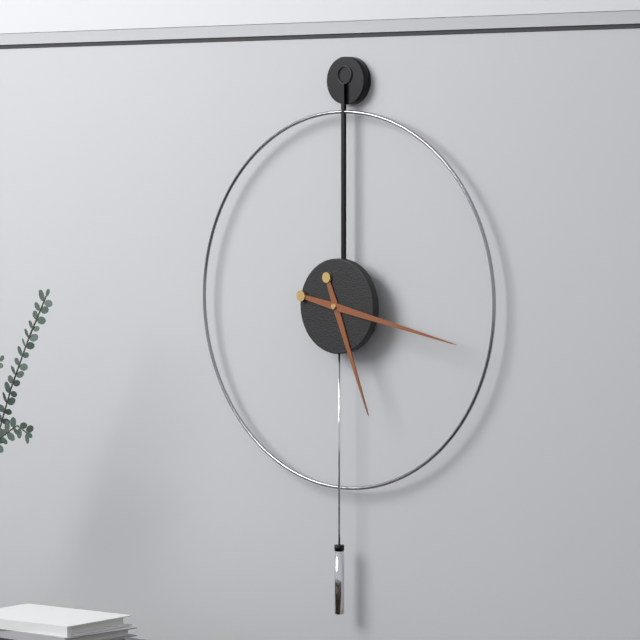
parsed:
5:17
